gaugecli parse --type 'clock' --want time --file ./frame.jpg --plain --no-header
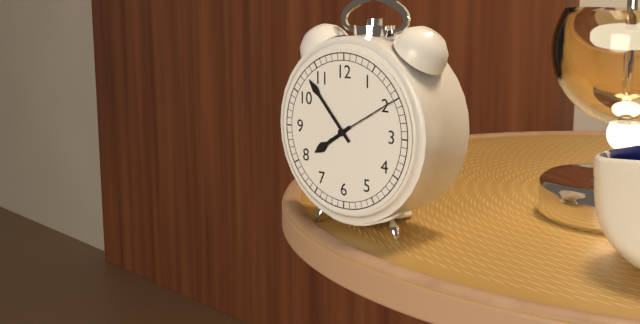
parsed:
7:53:10
